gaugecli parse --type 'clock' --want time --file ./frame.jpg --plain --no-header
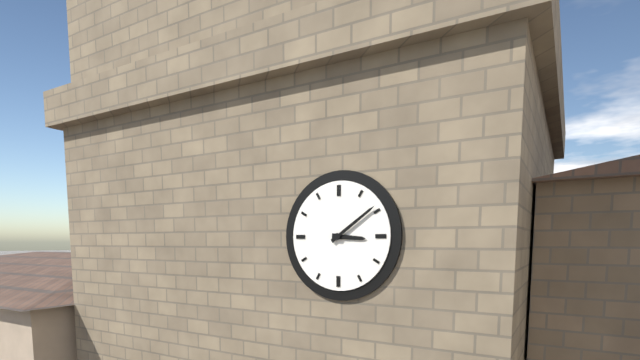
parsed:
3:09
